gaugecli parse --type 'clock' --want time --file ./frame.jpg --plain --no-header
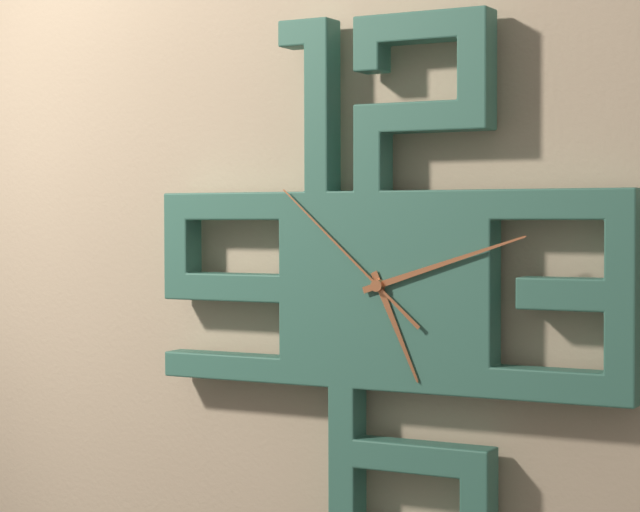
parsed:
5:12:52
